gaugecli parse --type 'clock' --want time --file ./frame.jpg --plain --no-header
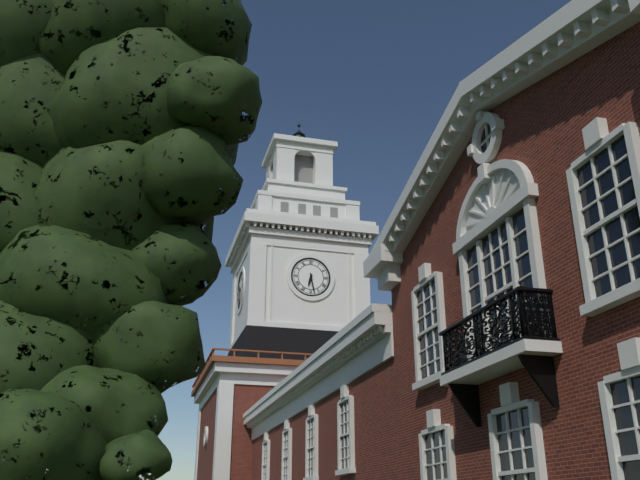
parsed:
6:28
